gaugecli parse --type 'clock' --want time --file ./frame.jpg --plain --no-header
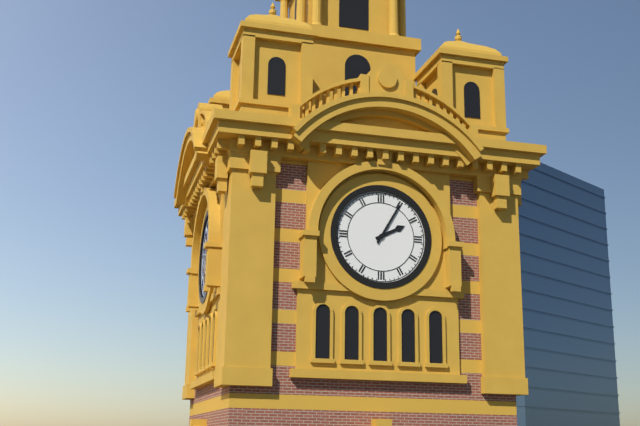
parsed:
2:05
